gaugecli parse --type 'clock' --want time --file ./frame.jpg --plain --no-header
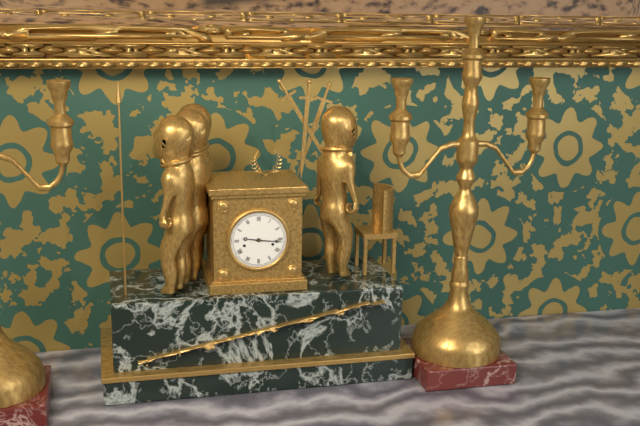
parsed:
9:16
